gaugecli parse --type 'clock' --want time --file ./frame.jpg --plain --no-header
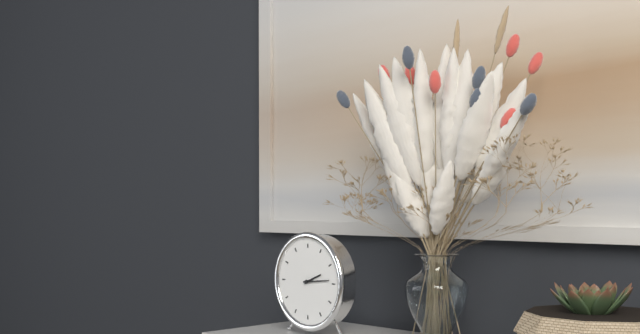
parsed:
2:14
